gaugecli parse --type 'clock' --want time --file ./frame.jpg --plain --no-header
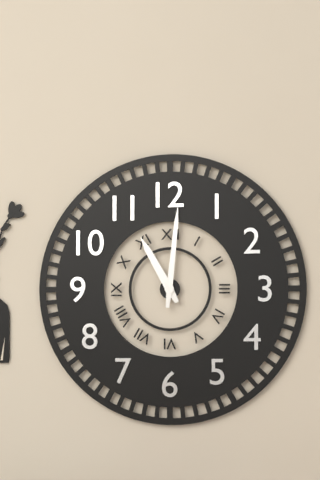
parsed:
11:01
